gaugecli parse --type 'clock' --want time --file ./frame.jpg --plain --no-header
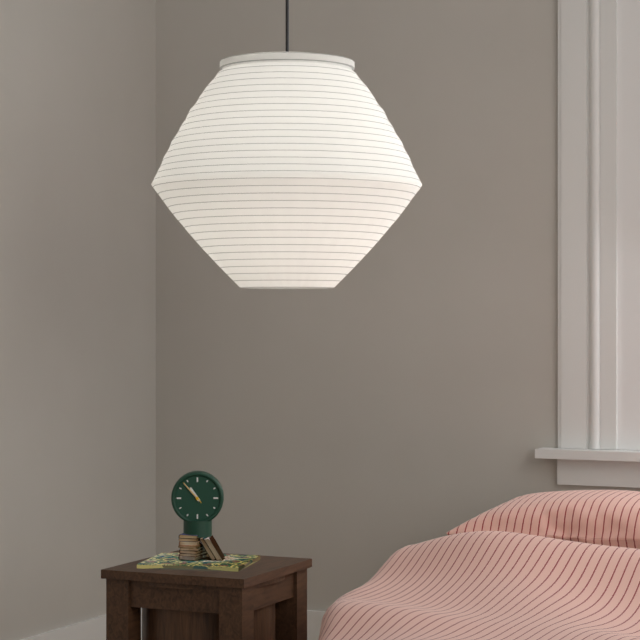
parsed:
10:53
